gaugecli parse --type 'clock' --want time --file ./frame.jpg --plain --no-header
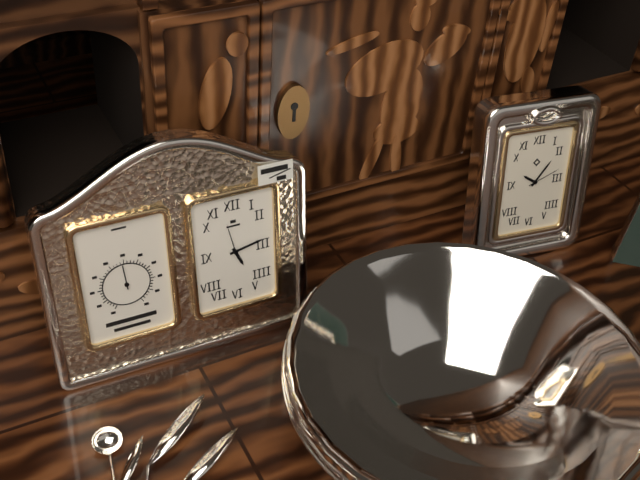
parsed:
5:13
